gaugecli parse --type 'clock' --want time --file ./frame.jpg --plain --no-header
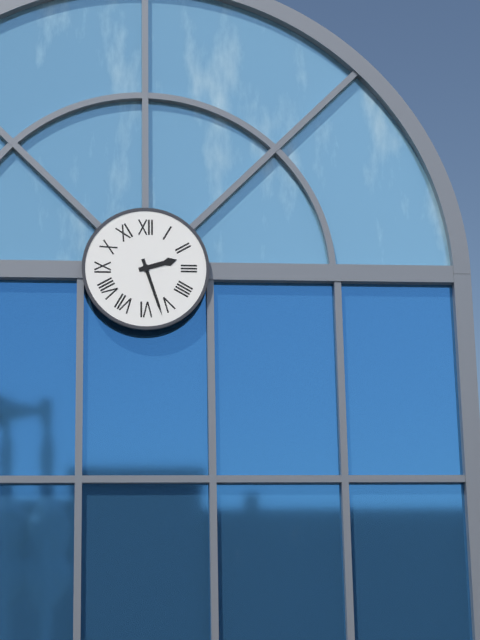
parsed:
2:27
